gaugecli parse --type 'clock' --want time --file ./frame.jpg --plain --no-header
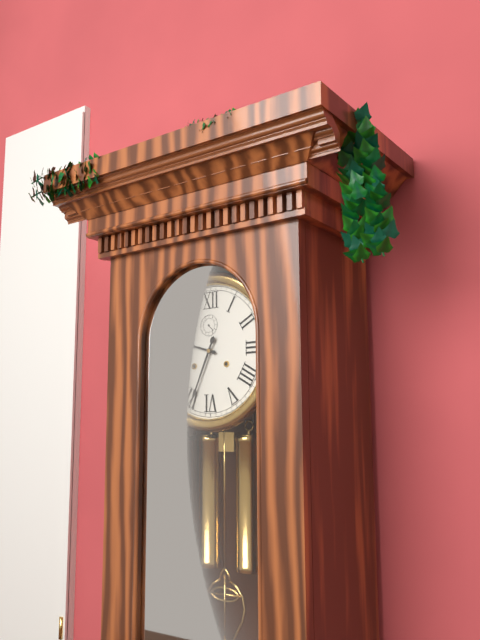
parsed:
9:34
